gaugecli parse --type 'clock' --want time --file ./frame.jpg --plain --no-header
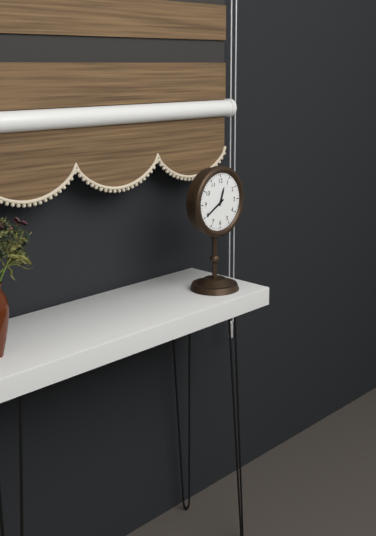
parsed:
12:40
